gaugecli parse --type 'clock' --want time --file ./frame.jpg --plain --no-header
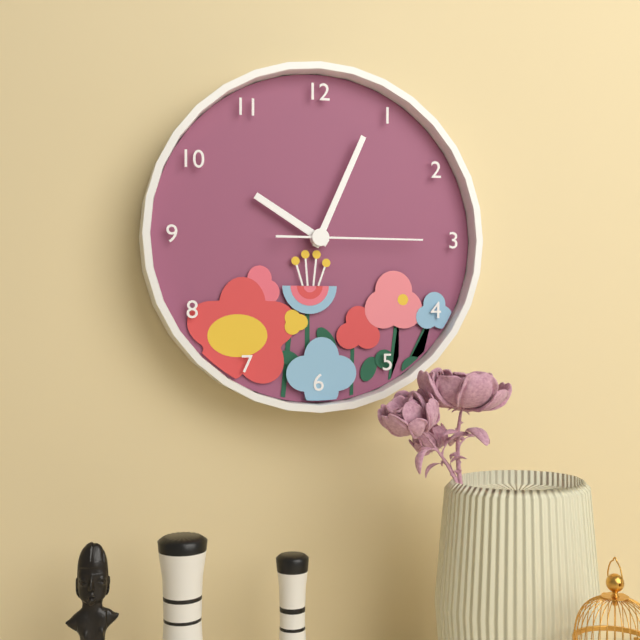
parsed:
10:04:15
